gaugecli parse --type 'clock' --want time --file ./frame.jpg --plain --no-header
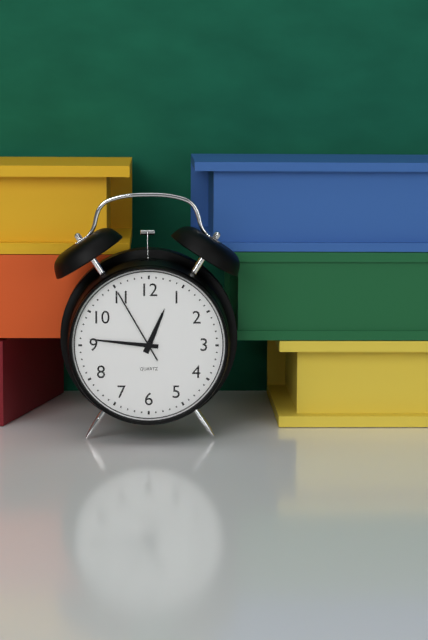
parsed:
12:46:55
